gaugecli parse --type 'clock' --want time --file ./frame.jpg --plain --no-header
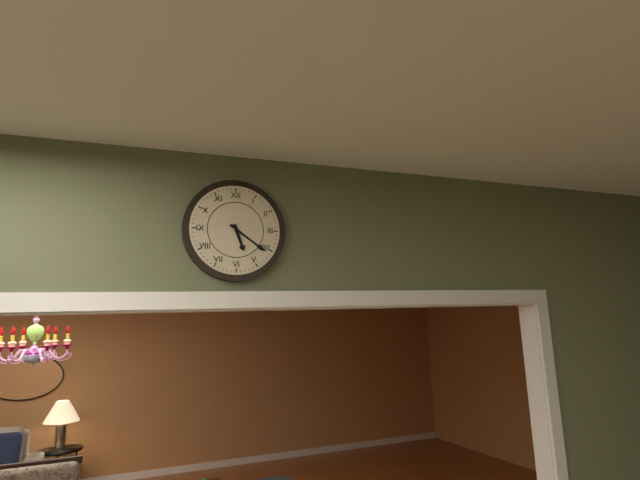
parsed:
5:21
